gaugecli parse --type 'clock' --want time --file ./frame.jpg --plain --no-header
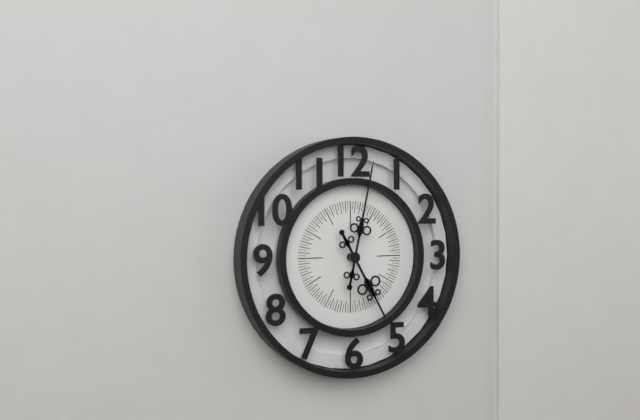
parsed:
5:02
